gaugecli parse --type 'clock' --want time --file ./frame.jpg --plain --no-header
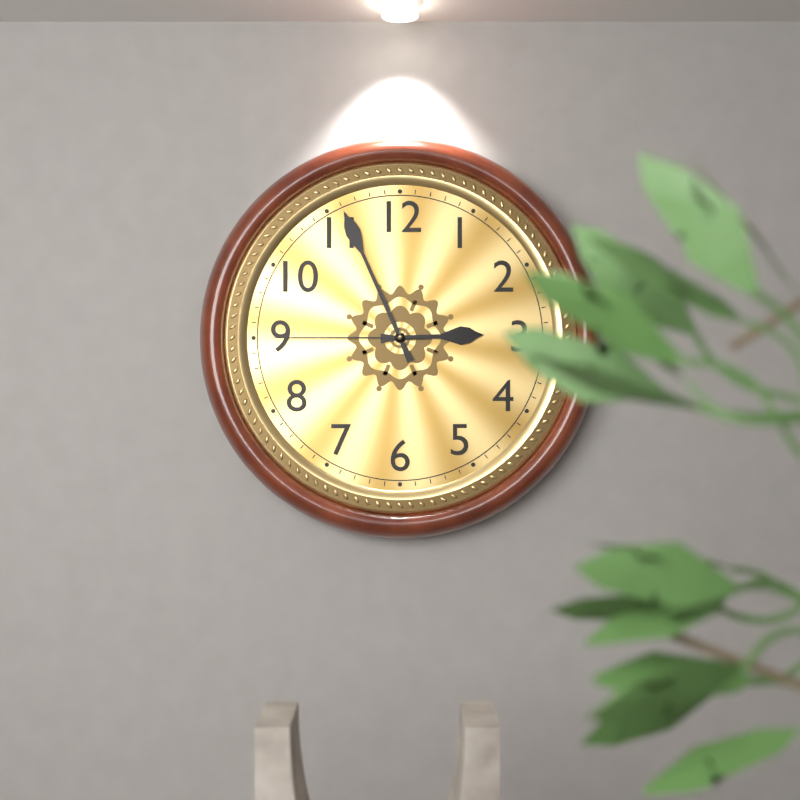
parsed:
2:56:45
